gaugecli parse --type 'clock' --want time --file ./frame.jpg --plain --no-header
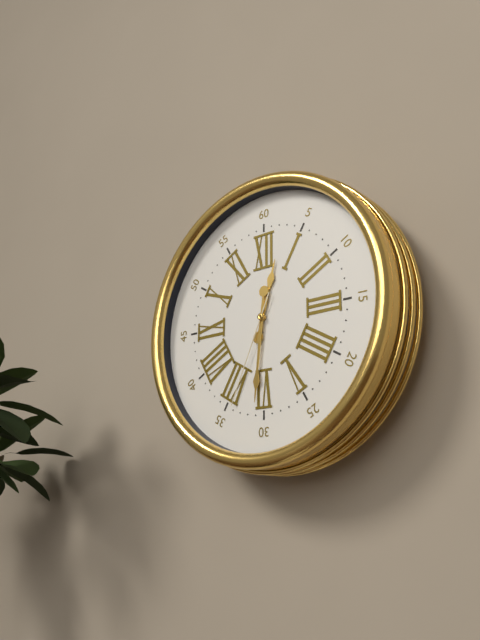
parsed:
12:31:34
